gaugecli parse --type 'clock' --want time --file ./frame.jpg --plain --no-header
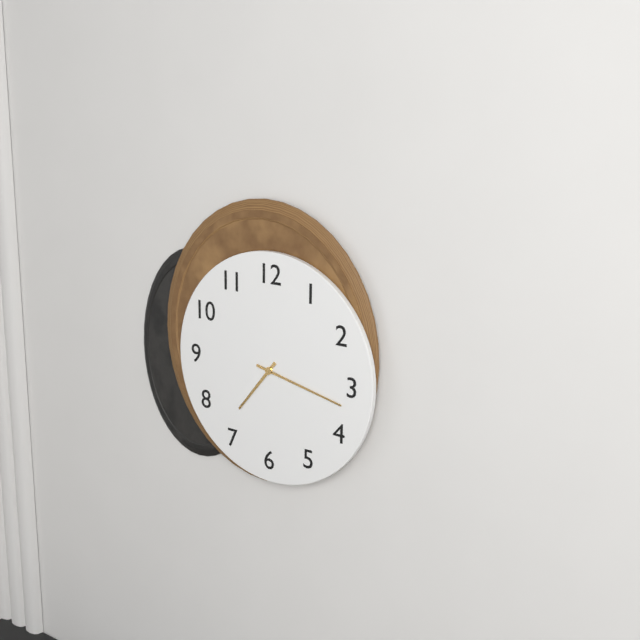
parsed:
7:17
